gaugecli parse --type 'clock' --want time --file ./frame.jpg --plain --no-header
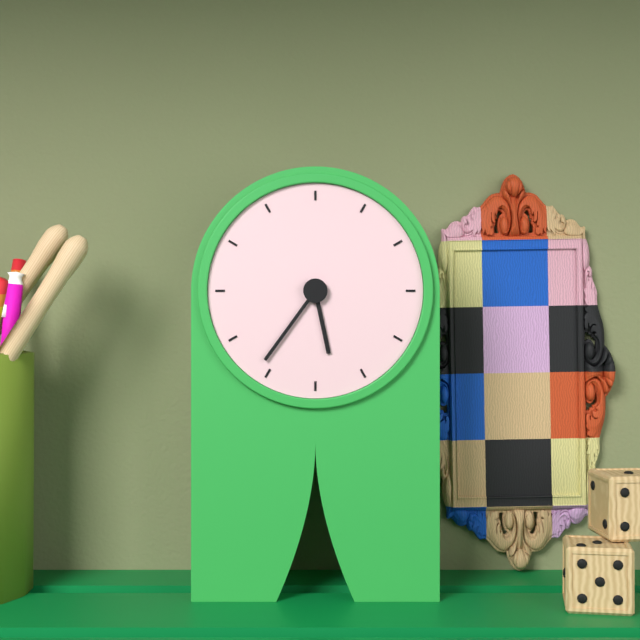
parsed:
5:36
